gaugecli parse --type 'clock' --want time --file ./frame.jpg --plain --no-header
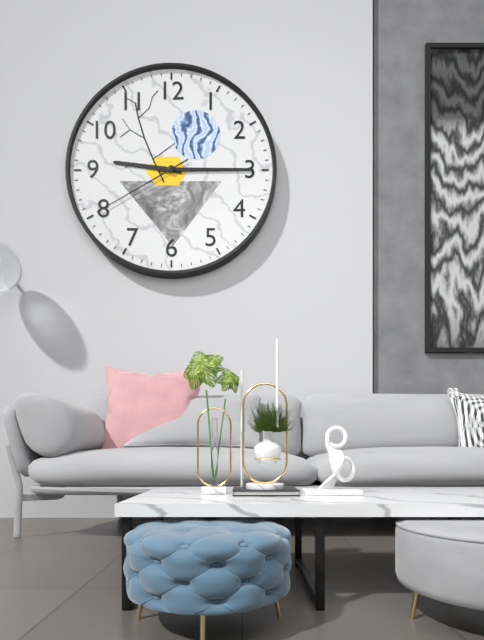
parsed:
9:15:40
